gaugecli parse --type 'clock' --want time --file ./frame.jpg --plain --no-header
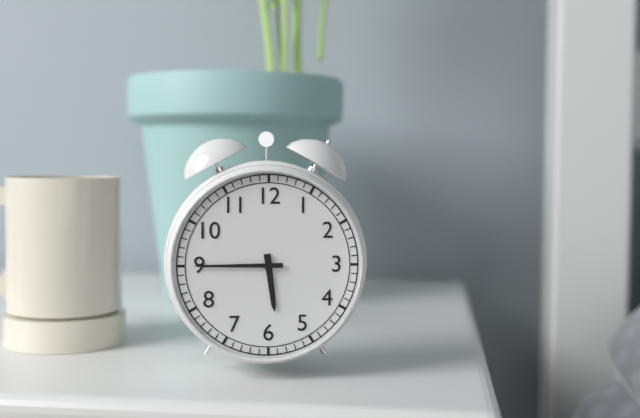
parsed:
5:45
